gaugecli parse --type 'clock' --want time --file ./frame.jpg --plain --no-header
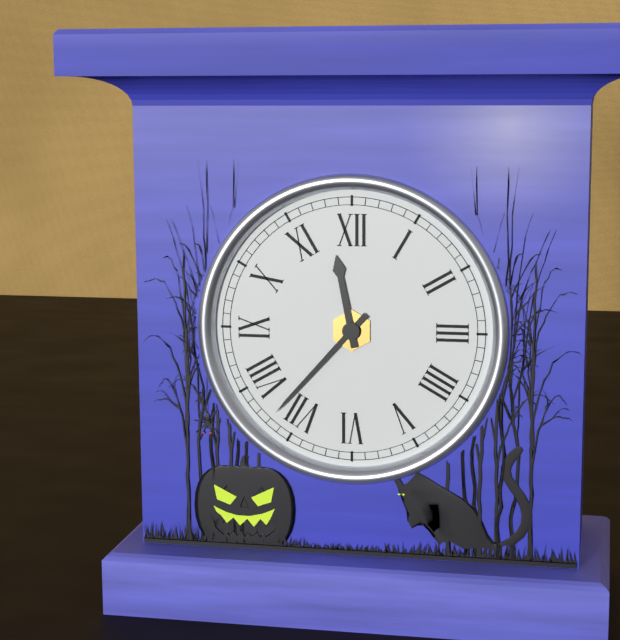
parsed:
11:37
